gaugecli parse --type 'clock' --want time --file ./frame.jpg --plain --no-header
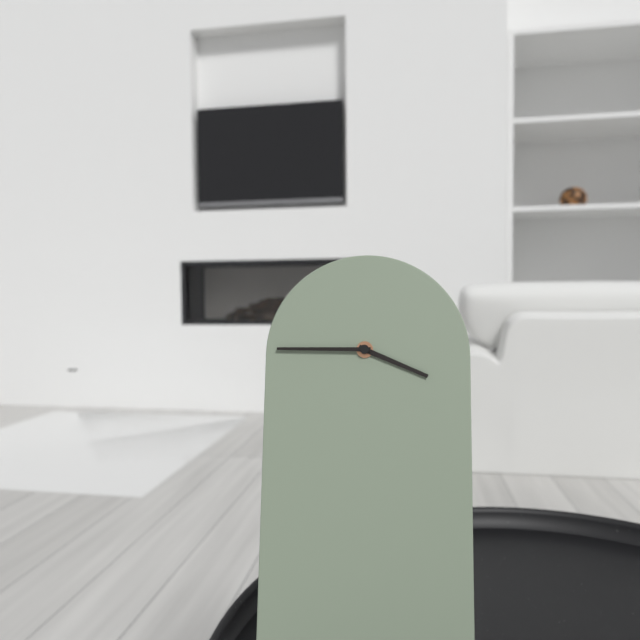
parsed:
3:45
